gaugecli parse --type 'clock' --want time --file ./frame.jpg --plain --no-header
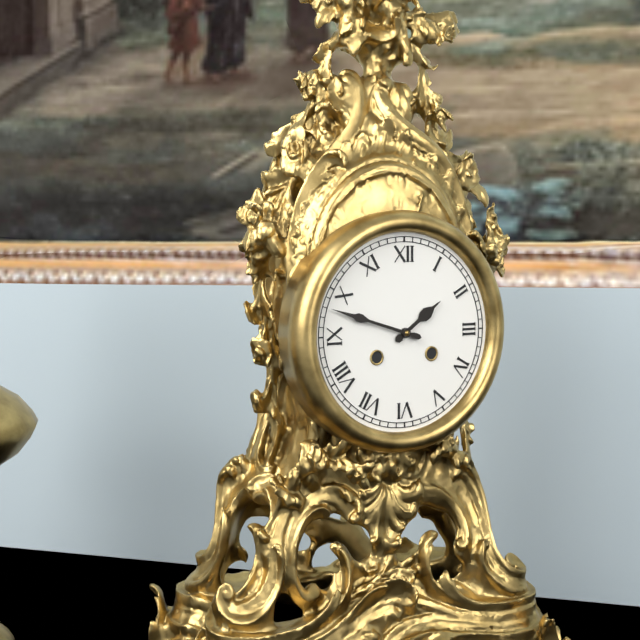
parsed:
1:48
